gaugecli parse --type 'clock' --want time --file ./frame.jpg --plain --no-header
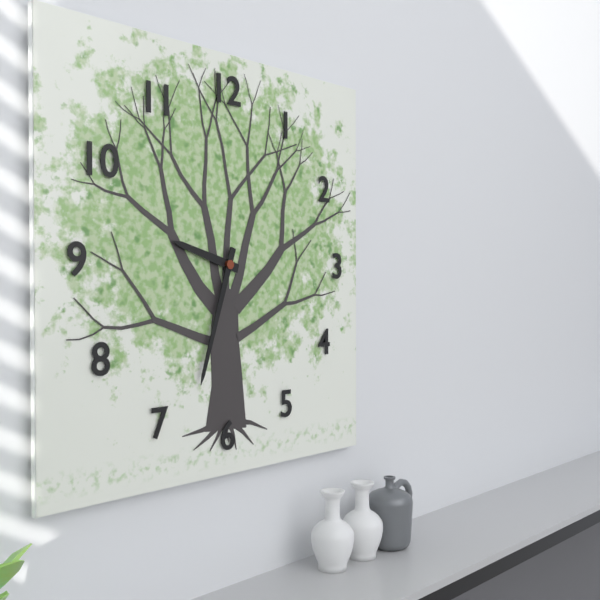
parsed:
9:33
